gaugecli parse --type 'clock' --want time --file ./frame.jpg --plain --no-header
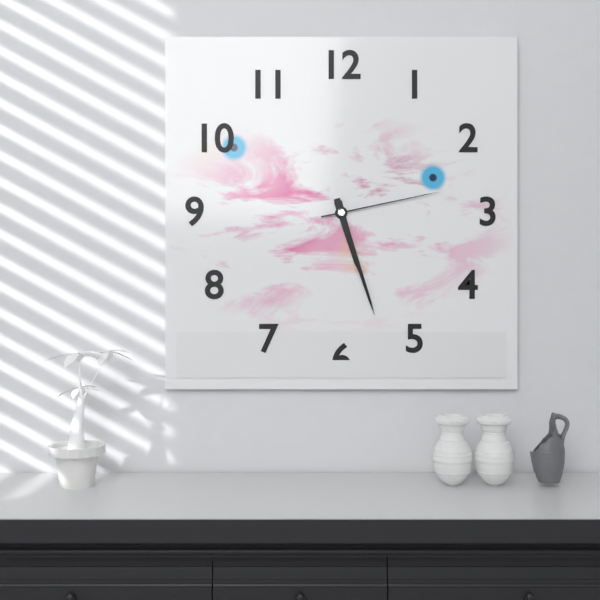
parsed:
5:27:13
